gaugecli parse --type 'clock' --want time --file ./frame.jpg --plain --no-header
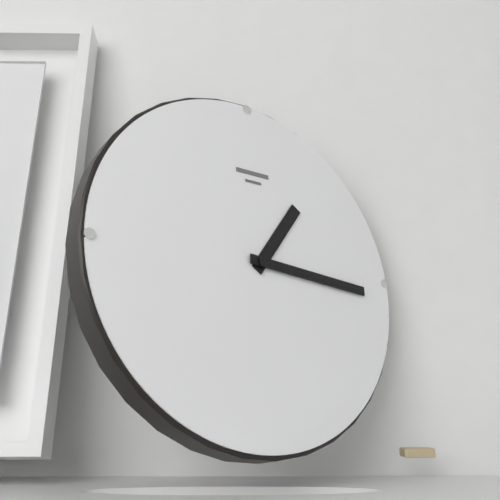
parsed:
1:16
